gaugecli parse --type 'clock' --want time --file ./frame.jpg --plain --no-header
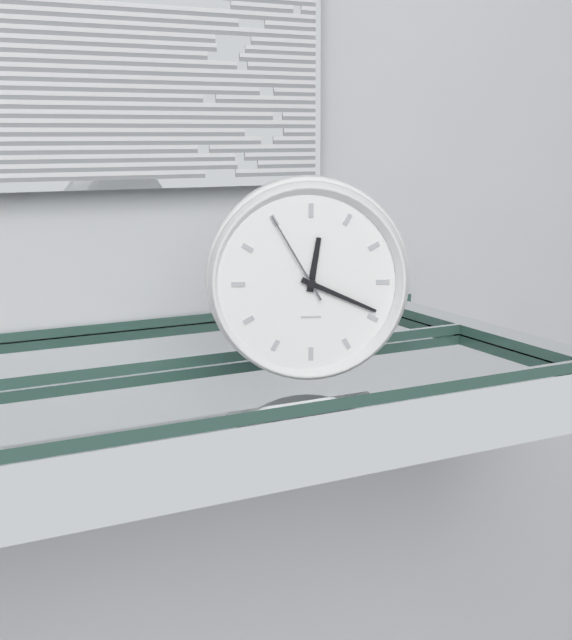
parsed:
12:19:55
